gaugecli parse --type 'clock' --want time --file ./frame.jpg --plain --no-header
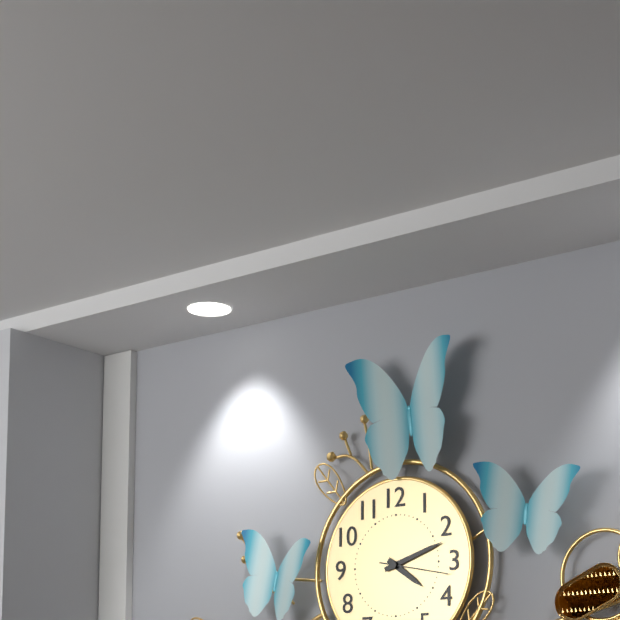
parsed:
4:12:17
